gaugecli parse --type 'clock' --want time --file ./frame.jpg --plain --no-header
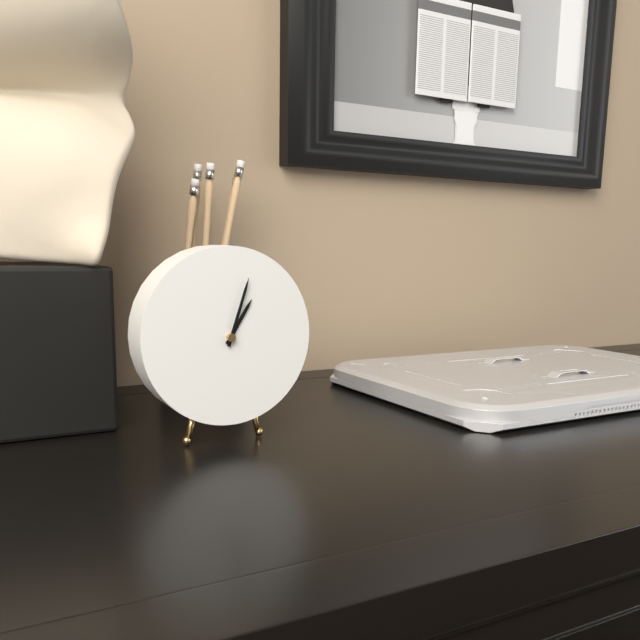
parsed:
1:03
